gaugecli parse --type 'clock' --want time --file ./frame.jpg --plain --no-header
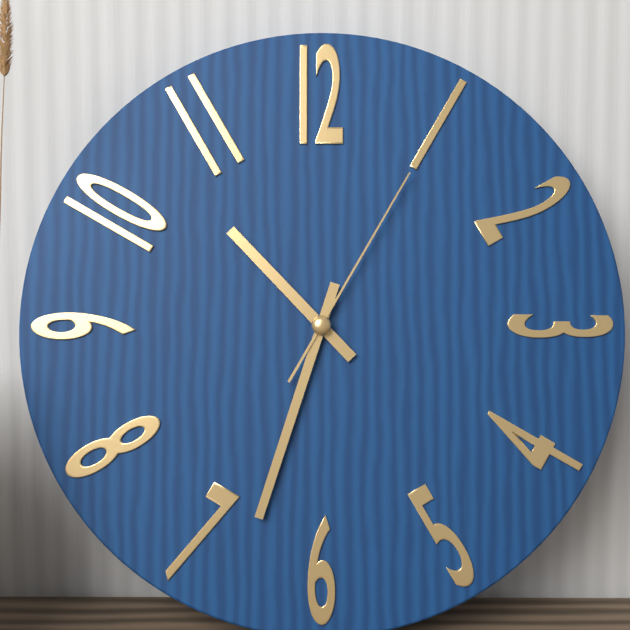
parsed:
10:33:05
